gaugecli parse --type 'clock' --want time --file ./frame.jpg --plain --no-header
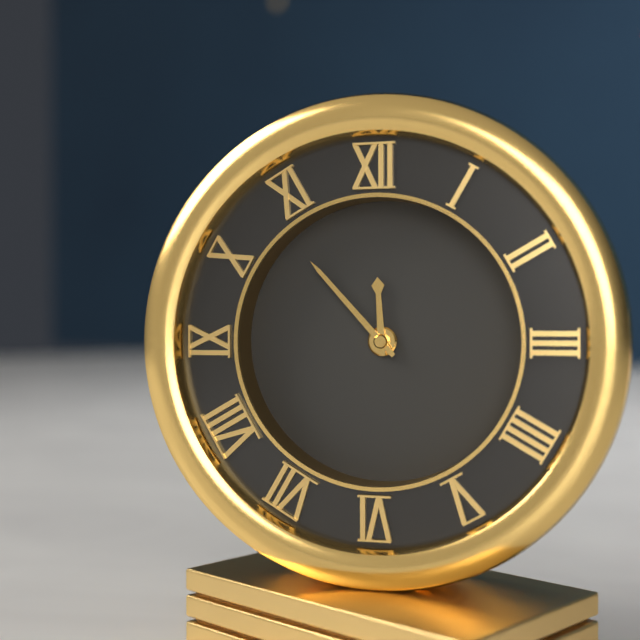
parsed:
11:53
